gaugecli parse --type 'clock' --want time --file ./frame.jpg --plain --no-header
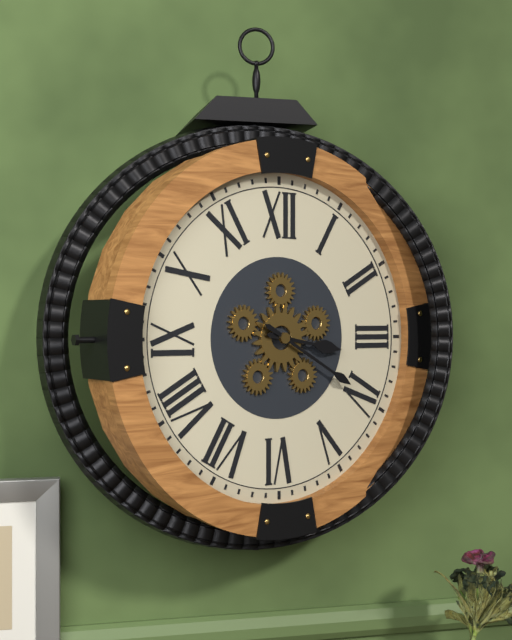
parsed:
3:20
